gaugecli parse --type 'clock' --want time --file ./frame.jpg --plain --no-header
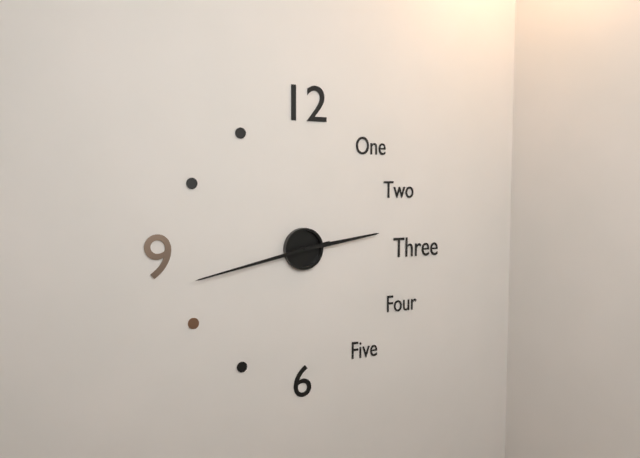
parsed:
2:43
